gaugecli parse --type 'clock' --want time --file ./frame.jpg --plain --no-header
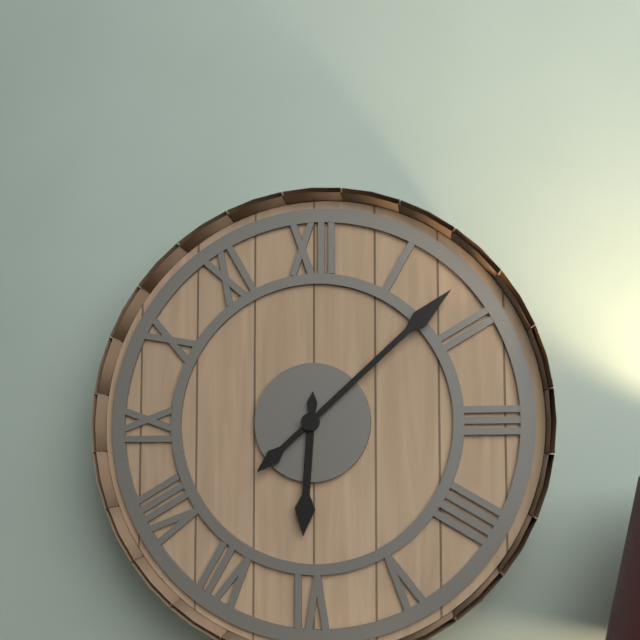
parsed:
6:08
